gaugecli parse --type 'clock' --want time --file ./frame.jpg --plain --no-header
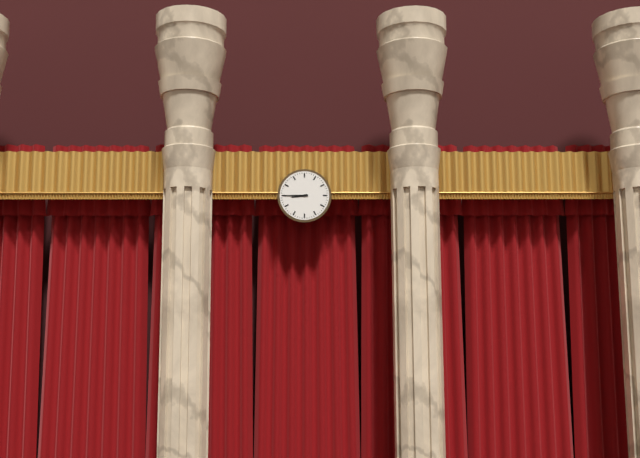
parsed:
8:45
